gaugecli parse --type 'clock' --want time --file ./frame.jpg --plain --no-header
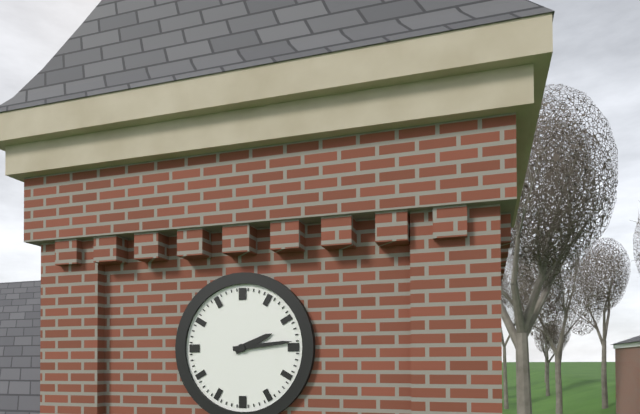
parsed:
2:14
